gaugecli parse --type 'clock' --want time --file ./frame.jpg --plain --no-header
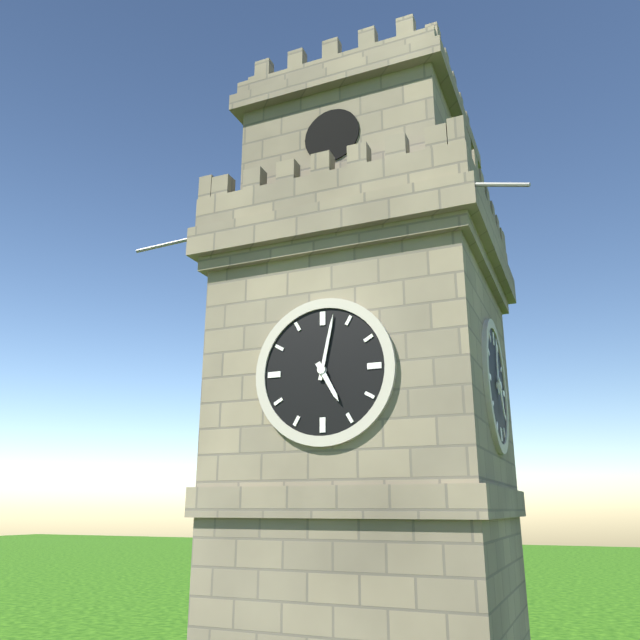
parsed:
5:02
